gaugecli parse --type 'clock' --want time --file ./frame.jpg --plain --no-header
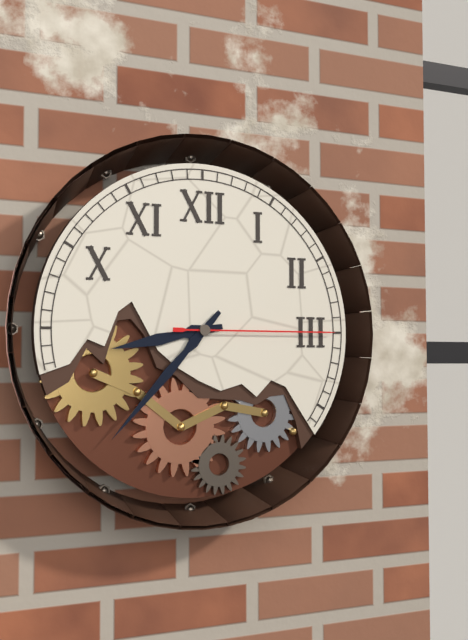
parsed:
8:37:15
